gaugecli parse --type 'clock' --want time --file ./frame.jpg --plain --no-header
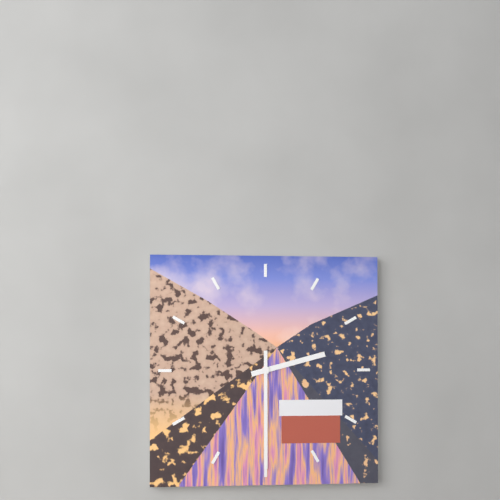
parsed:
2:30
